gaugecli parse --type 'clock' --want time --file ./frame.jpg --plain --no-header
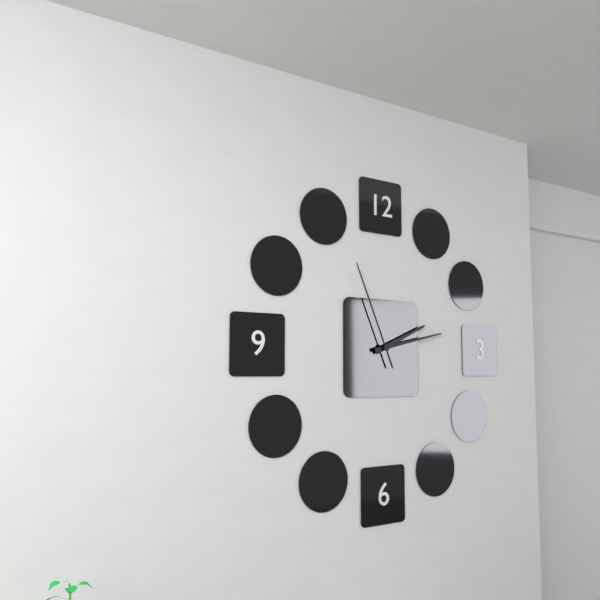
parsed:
2:13:56
